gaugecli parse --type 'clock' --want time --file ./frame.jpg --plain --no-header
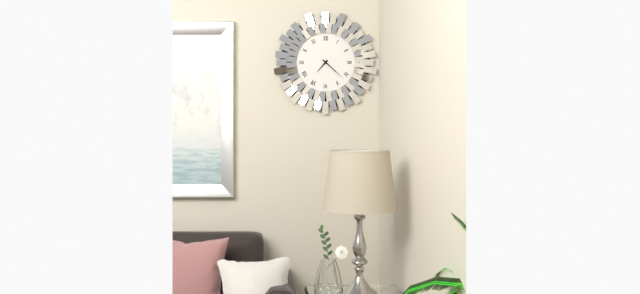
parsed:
7:22
